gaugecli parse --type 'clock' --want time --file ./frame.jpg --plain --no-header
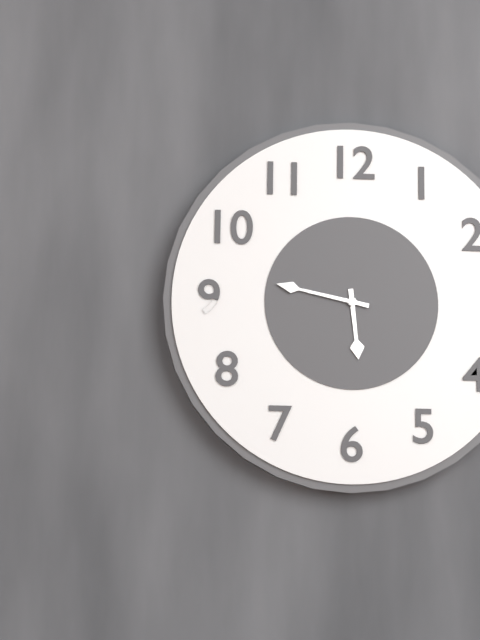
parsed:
5:47
